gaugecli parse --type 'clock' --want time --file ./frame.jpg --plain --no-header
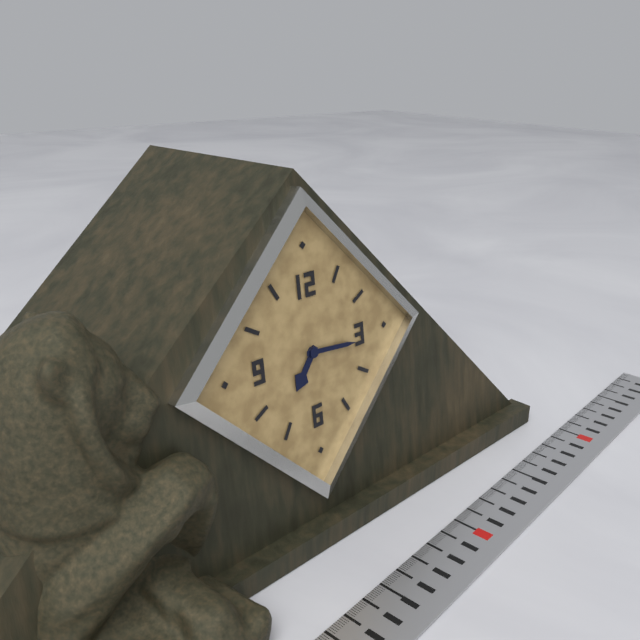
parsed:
7:16
